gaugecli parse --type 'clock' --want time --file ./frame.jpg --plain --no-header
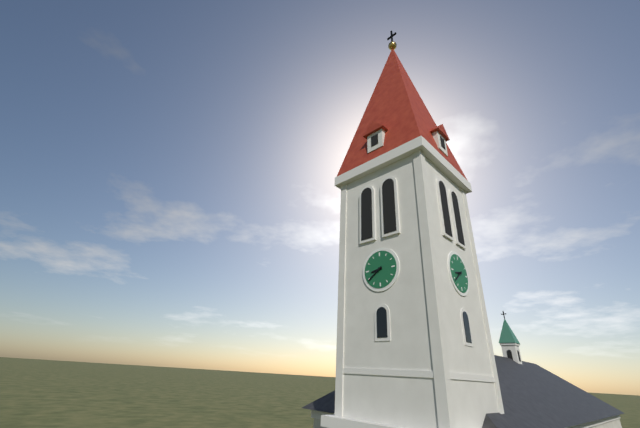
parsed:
8:39
